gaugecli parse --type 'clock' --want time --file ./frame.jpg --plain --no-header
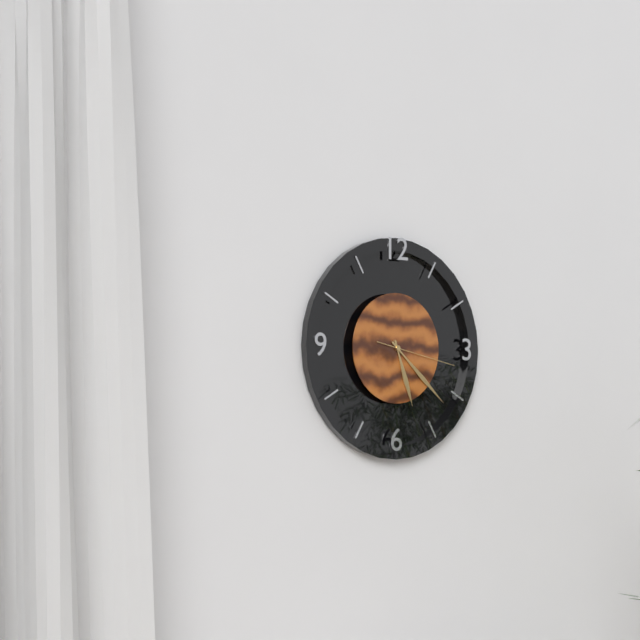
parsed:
5:22:17
